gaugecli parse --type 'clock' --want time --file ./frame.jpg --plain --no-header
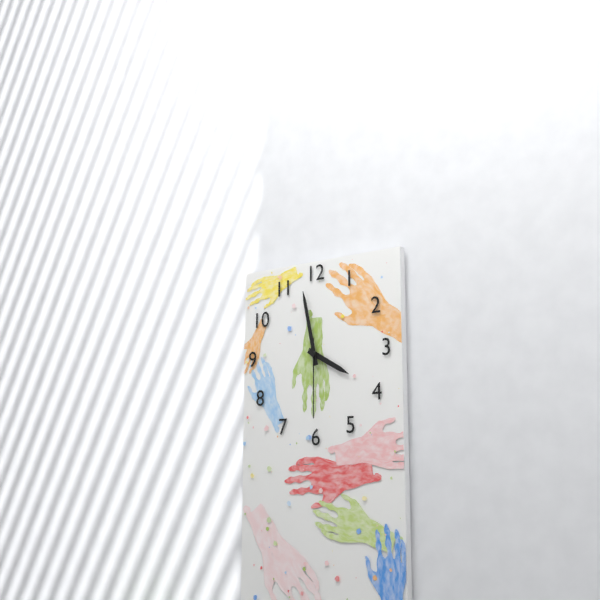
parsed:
3:58:30
